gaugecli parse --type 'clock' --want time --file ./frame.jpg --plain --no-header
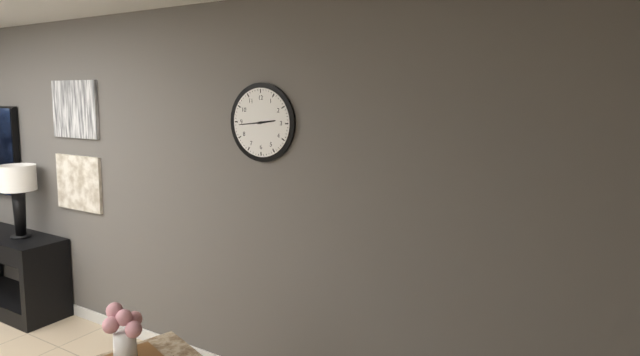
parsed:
2:44
